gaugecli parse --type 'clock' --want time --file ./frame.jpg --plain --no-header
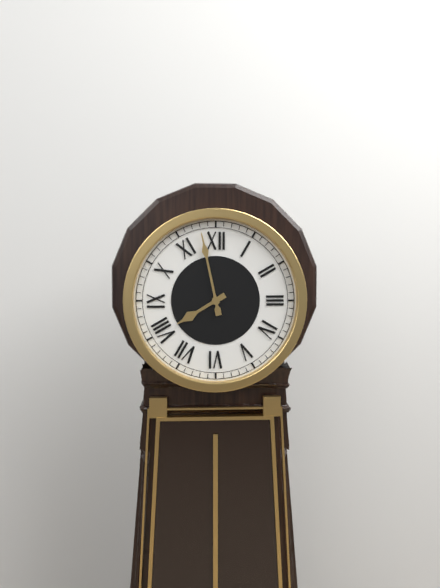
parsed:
7:58
